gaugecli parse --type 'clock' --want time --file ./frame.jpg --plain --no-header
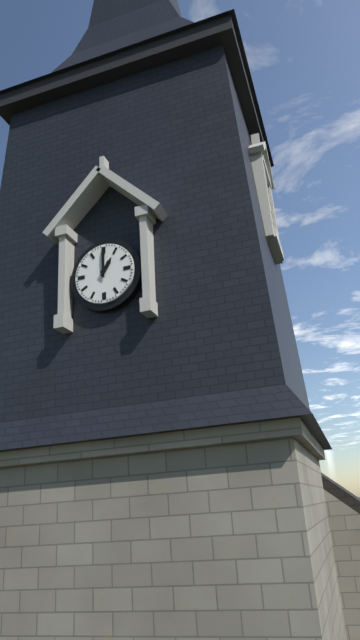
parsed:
1:00
